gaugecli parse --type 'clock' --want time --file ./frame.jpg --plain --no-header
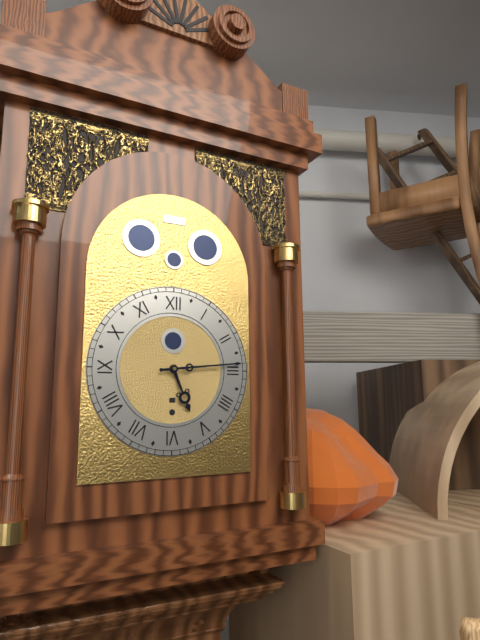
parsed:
5:14
